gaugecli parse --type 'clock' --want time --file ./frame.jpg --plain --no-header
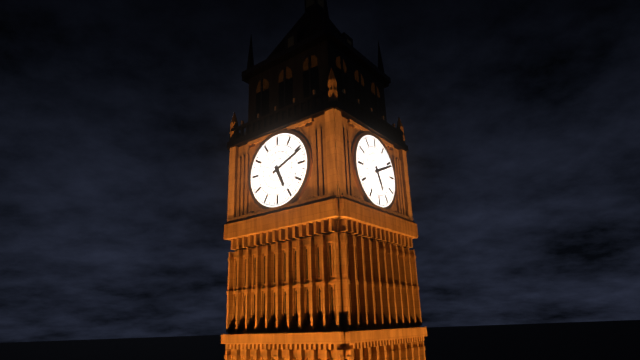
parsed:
5:11
